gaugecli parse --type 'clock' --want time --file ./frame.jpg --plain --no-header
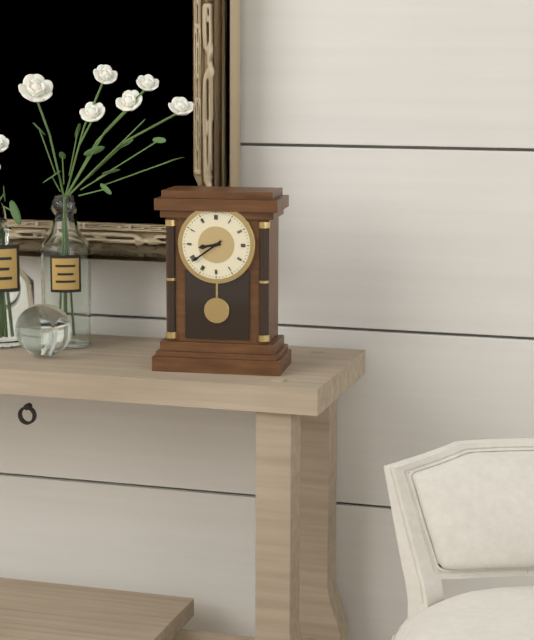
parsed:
8:39
